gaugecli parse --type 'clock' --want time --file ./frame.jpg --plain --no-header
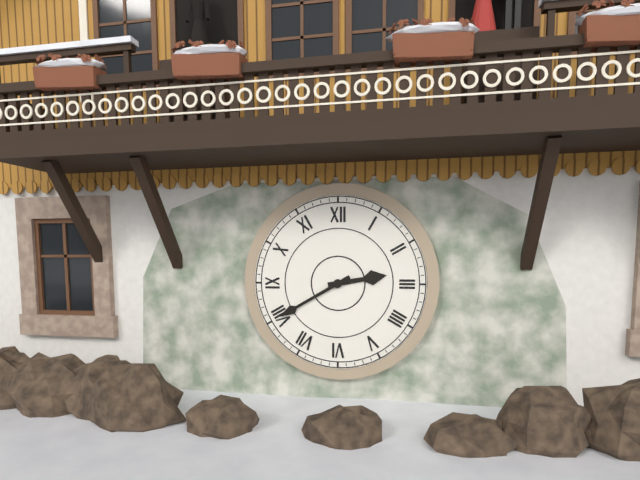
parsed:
2:40
